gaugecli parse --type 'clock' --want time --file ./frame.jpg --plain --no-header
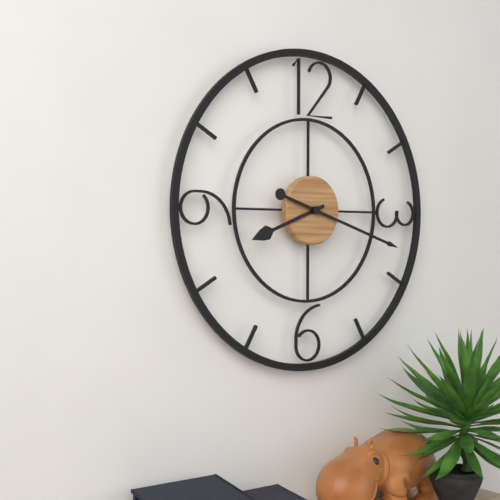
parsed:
8:18
